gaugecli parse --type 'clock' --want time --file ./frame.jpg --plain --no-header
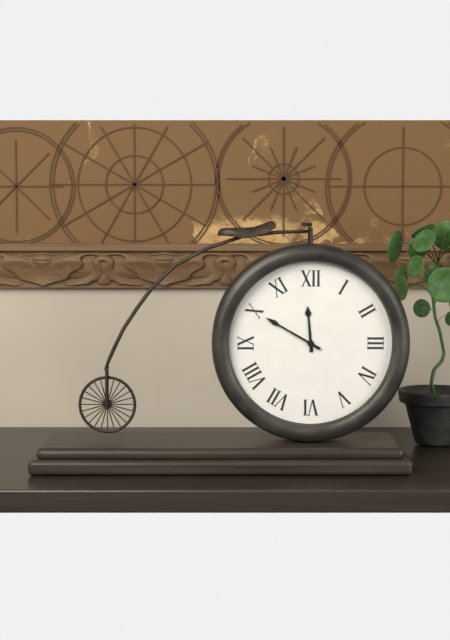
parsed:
11:50
